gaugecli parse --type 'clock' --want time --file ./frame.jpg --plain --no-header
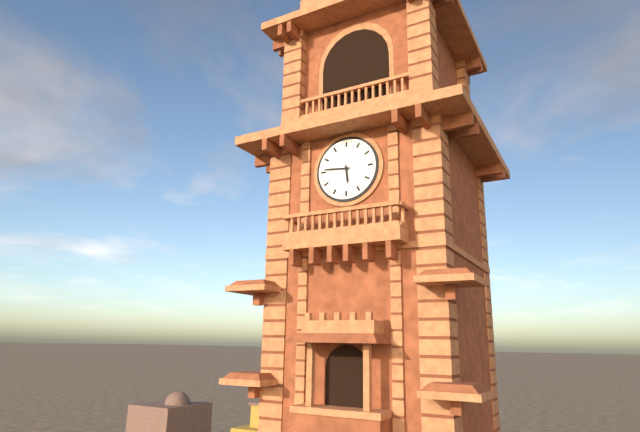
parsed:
5:46
